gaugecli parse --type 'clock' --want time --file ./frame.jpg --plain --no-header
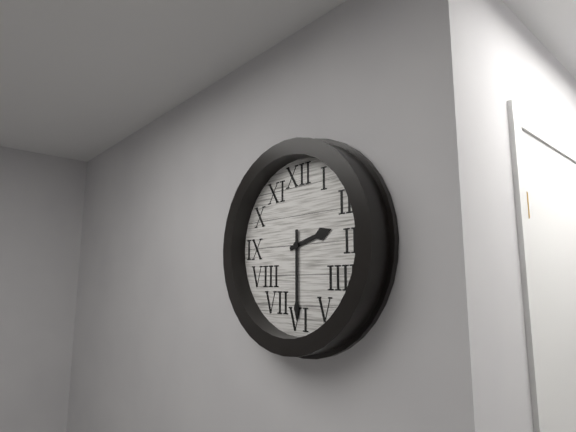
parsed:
2:30
